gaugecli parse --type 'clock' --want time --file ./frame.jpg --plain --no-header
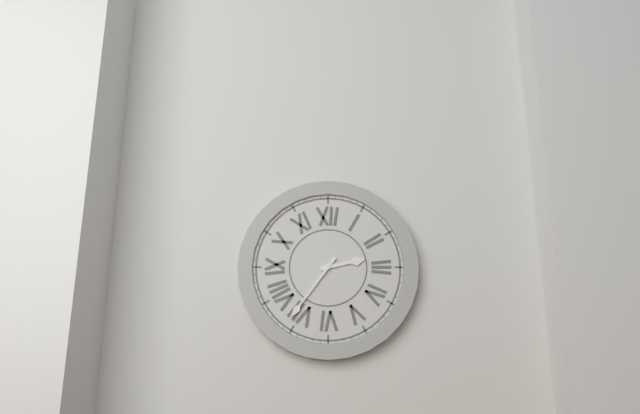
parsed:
2:36
